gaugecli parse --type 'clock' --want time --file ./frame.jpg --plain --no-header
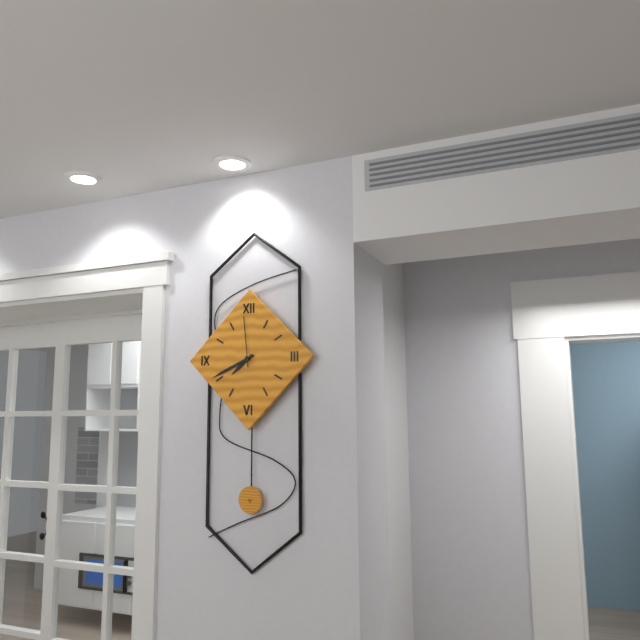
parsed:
7:41:59
